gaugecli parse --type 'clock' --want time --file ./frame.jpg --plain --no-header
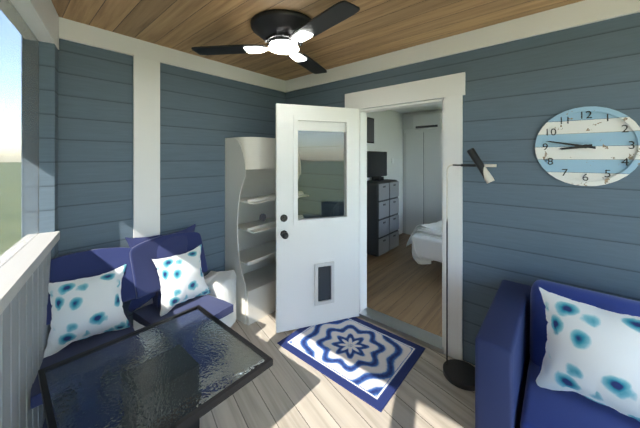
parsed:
8:47
